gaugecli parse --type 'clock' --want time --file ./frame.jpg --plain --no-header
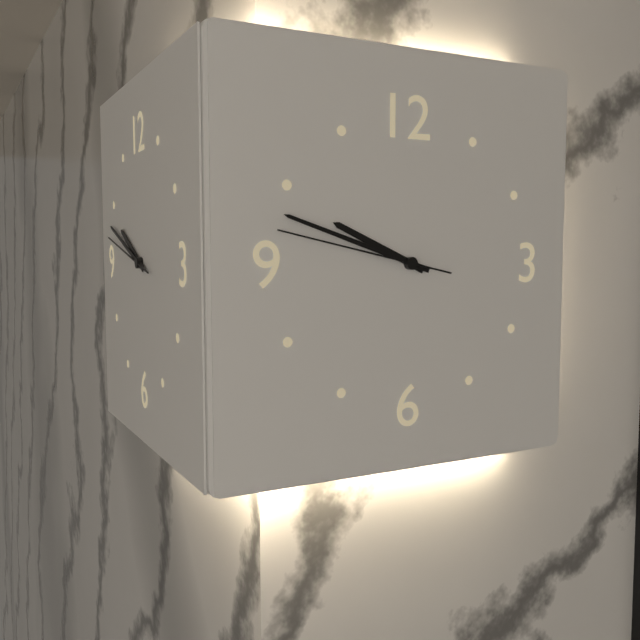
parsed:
9:48:47
